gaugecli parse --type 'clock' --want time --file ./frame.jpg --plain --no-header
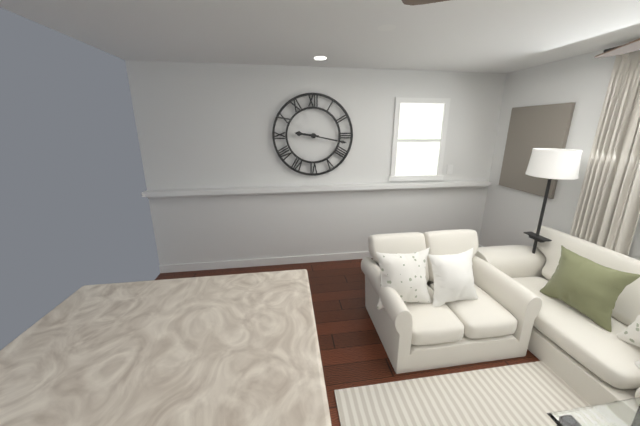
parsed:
9:17
